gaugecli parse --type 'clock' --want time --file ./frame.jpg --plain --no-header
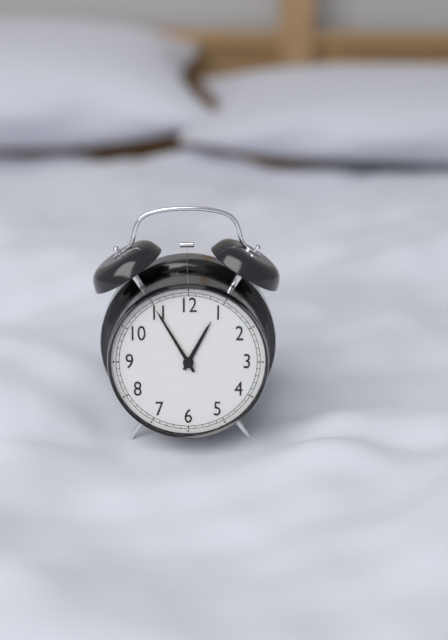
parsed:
12:55
